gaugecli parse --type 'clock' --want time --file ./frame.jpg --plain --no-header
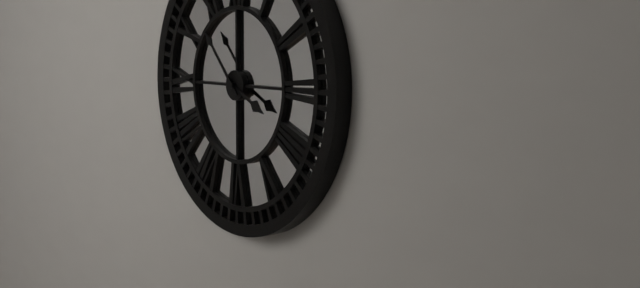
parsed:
3:53
